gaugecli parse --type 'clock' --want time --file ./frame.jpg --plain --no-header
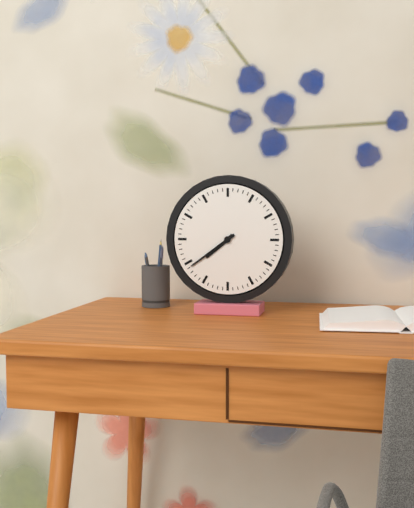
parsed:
7:39
